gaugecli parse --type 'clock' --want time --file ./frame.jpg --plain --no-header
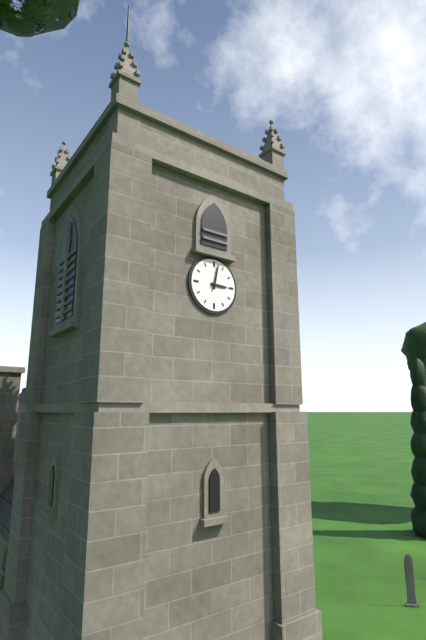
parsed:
3:02
